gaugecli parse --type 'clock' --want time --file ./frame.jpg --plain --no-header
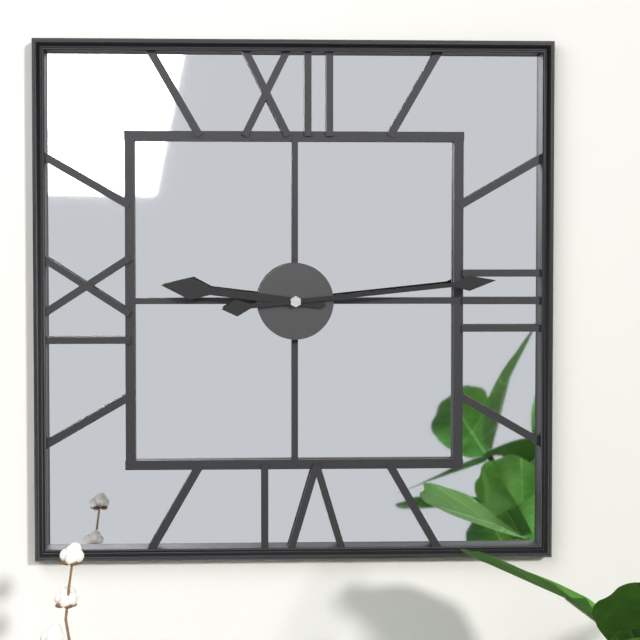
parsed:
9:14
